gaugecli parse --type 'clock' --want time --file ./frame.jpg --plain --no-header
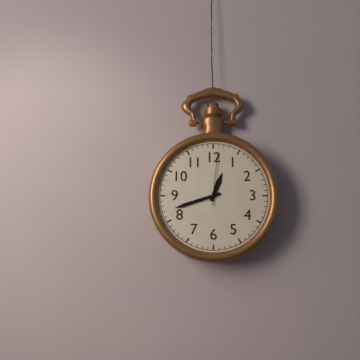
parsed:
12:42:01
